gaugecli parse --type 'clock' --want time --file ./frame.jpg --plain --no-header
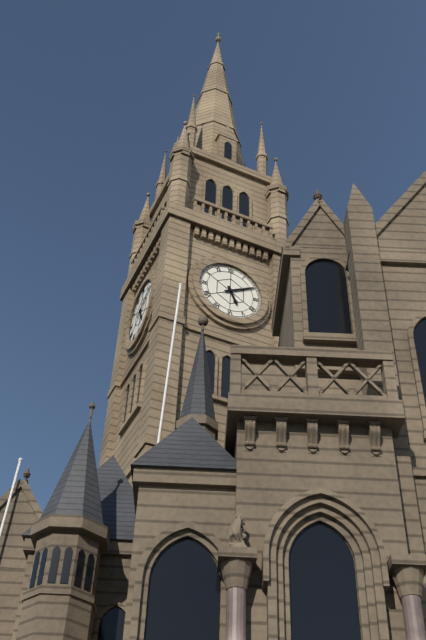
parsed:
5:10
